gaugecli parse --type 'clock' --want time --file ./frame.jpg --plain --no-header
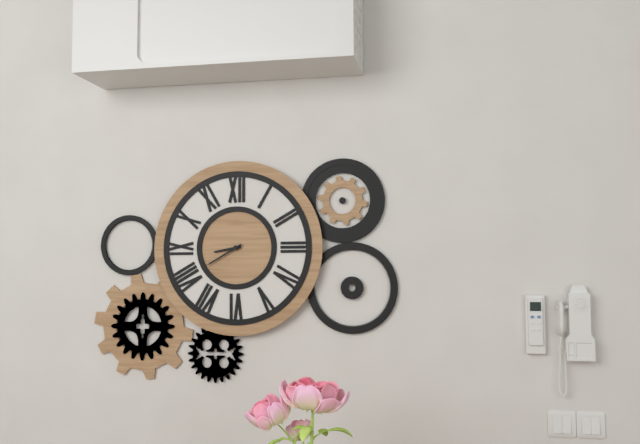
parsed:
8:40
